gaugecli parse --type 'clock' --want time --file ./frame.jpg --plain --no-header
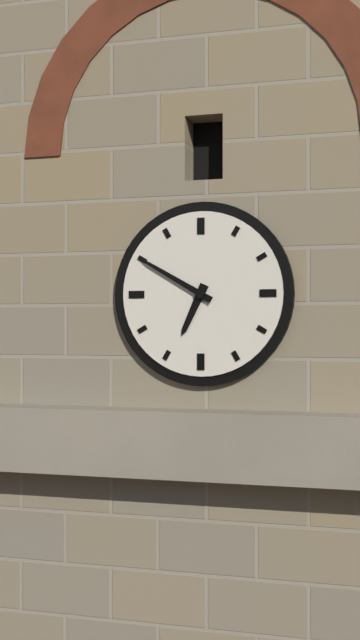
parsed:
6:50
